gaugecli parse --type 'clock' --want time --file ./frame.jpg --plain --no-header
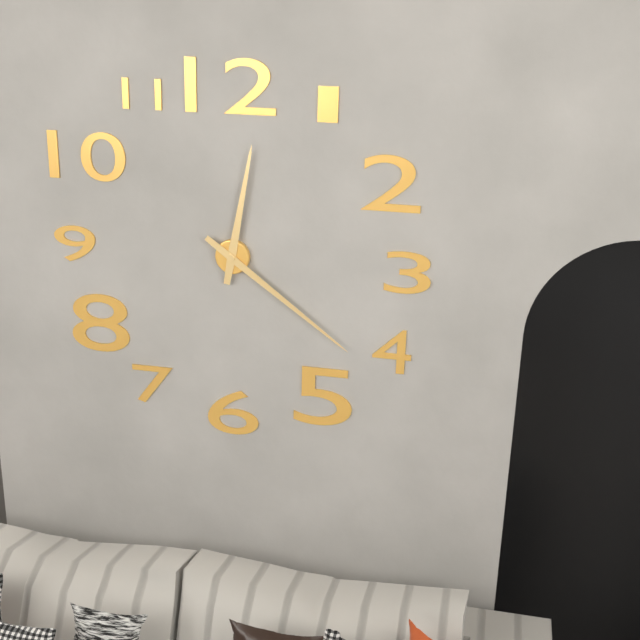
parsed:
12:21
